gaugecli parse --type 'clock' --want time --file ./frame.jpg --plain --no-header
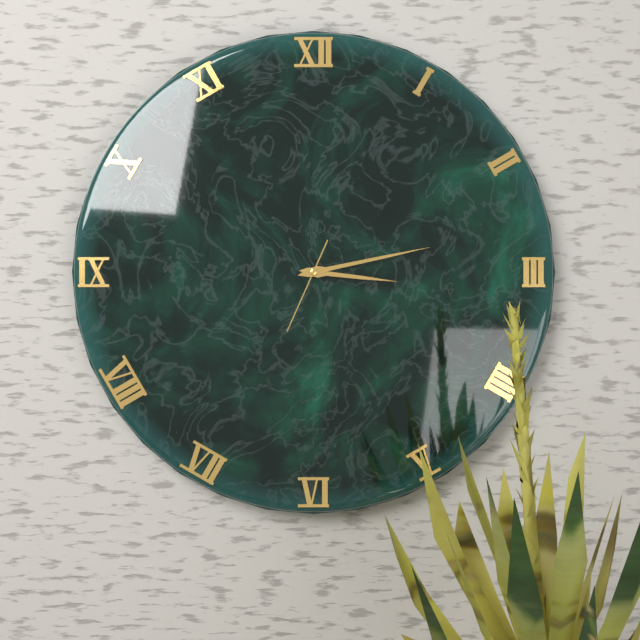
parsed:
3:13:34
